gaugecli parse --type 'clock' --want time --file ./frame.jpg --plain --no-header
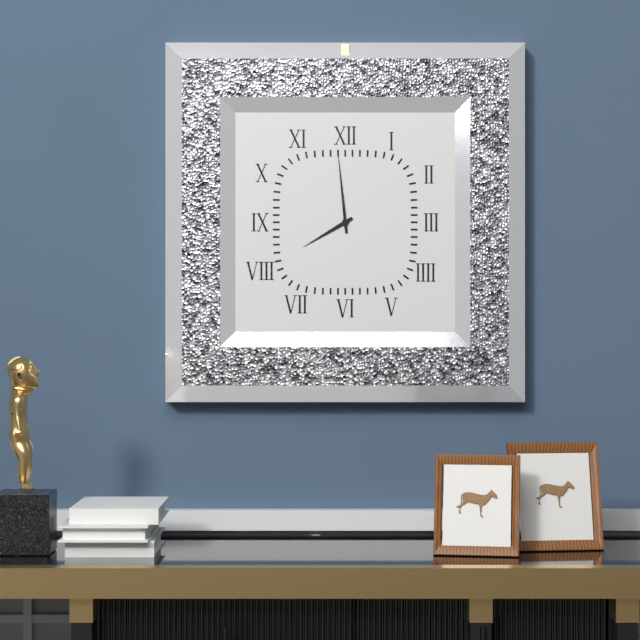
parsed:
7:59
